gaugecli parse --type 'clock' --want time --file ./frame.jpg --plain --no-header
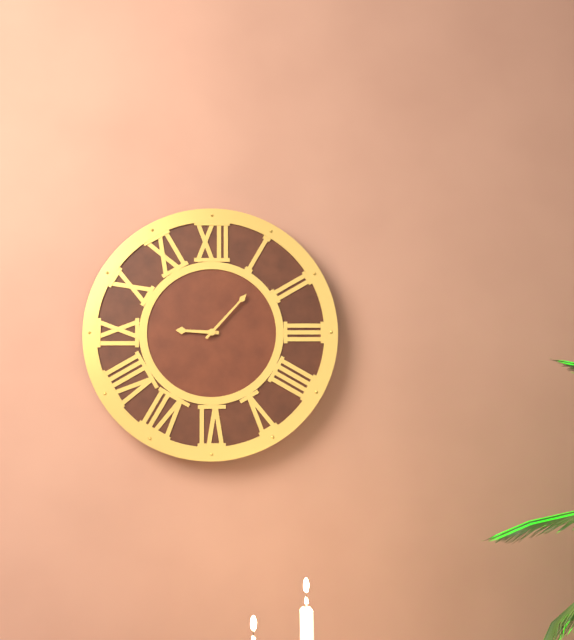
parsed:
9:07
